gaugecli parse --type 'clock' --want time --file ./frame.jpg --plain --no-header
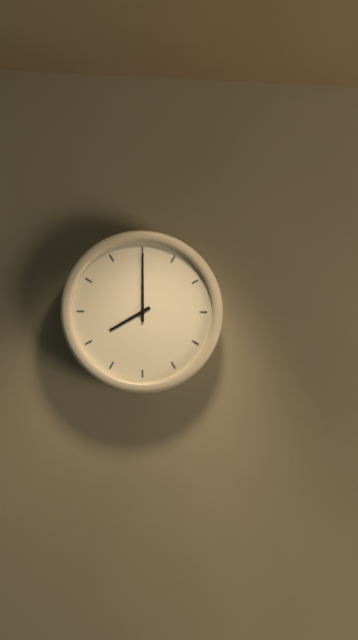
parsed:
8:00
